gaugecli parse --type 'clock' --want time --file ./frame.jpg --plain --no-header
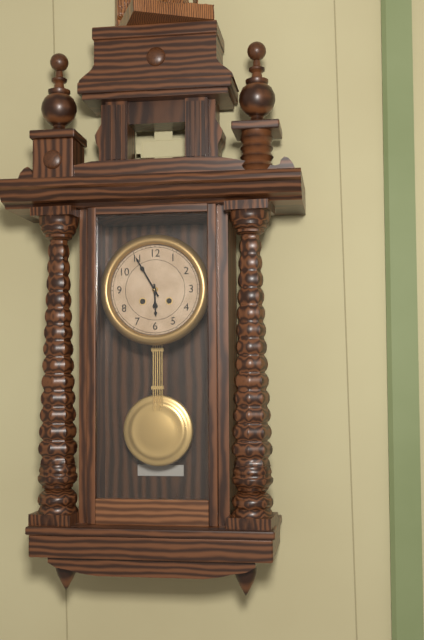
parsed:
5:55
